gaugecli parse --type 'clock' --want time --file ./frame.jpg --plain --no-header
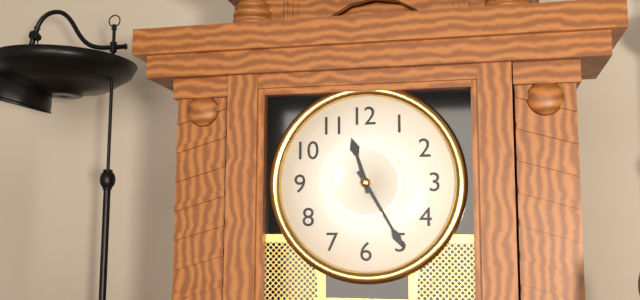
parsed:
11:25
